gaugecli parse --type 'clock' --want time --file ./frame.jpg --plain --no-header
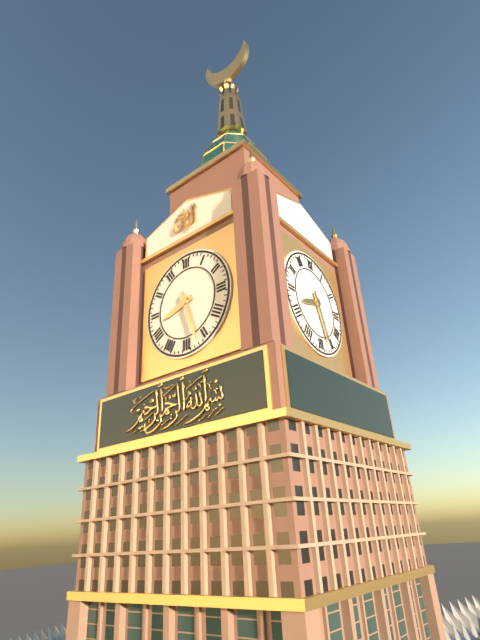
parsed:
8:27
